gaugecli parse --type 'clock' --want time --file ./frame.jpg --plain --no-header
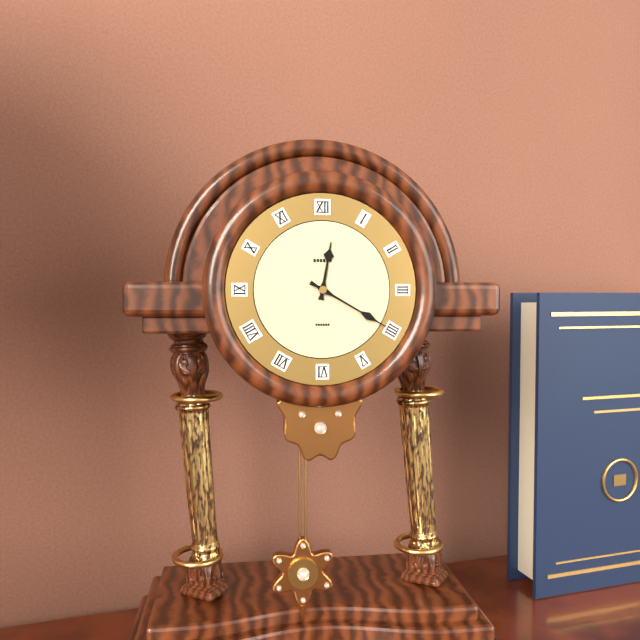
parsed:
12:20
